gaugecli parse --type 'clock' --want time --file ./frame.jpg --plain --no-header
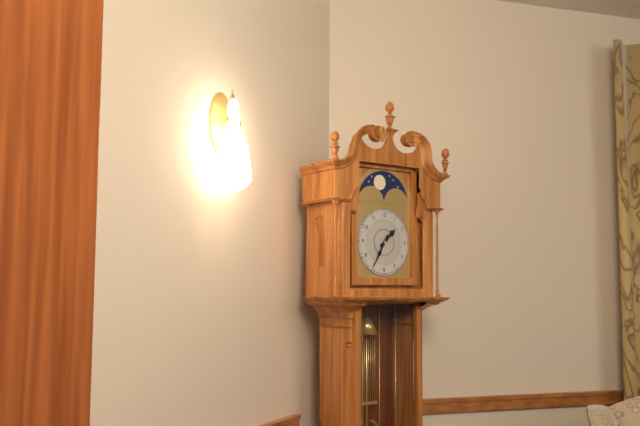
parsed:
1:35
